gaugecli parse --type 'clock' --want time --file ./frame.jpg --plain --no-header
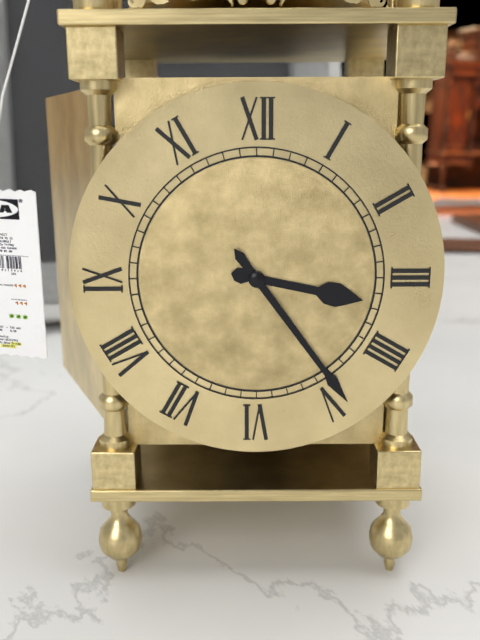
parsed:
3:24
